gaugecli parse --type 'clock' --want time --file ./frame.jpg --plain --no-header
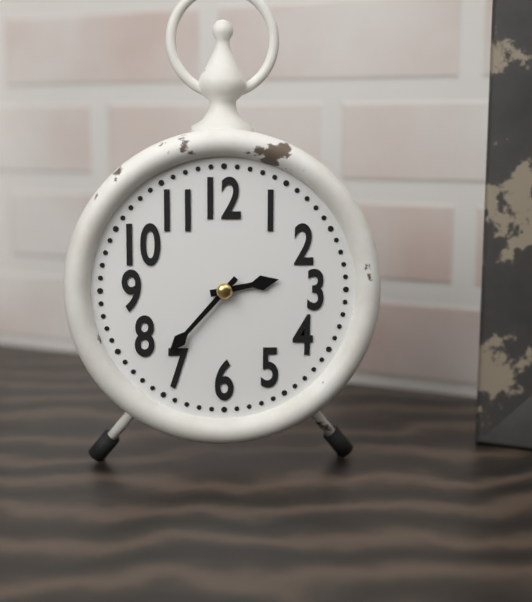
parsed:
2:37
